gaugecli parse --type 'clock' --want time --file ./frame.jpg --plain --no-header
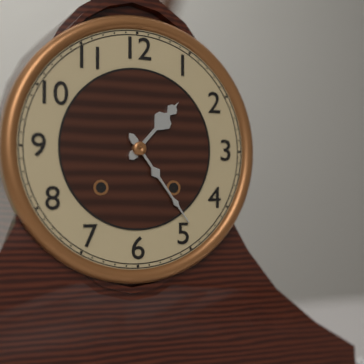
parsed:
1:24
